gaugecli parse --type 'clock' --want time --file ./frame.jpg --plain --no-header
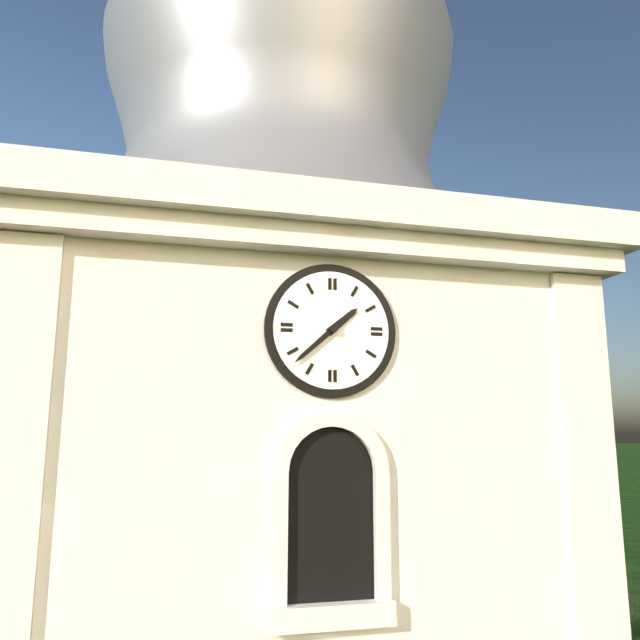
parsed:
1:38
